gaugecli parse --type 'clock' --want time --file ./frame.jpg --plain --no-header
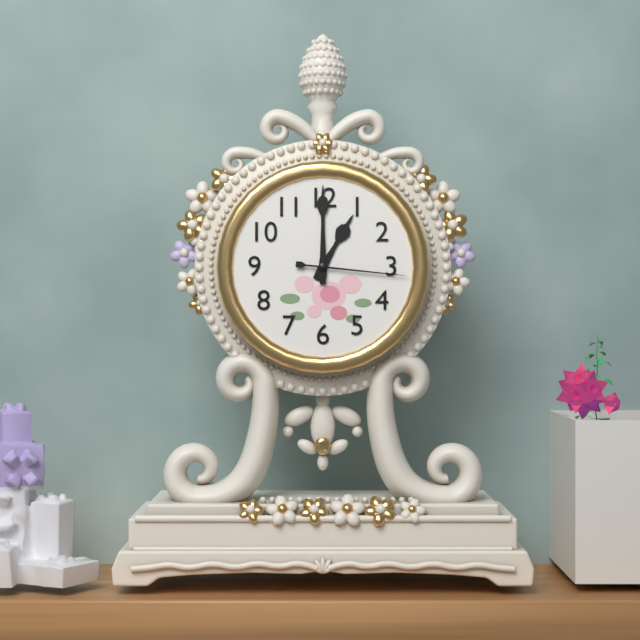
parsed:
1:00:16
